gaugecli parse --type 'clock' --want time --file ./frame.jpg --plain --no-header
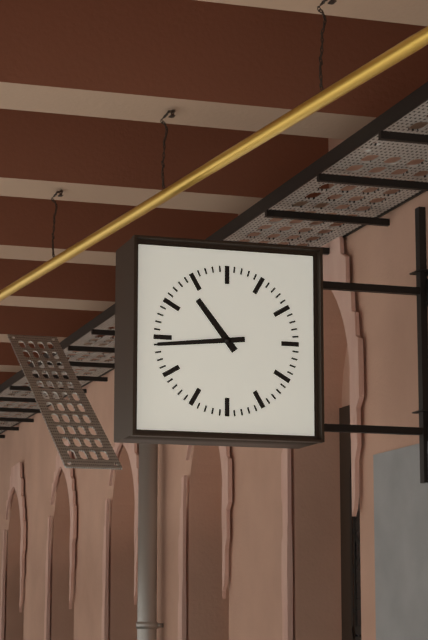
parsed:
10:44
